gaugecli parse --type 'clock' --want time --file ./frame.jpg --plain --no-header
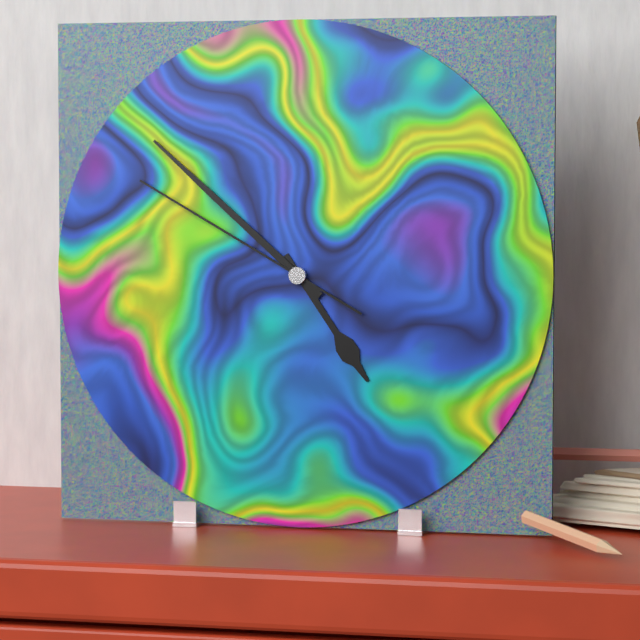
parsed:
4:52:50
